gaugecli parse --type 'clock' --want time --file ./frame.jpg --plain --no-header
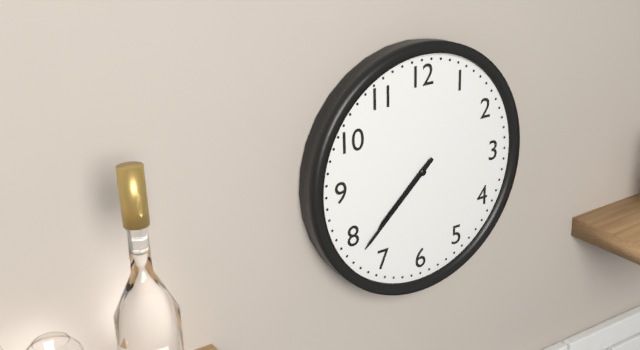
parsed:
7:38
